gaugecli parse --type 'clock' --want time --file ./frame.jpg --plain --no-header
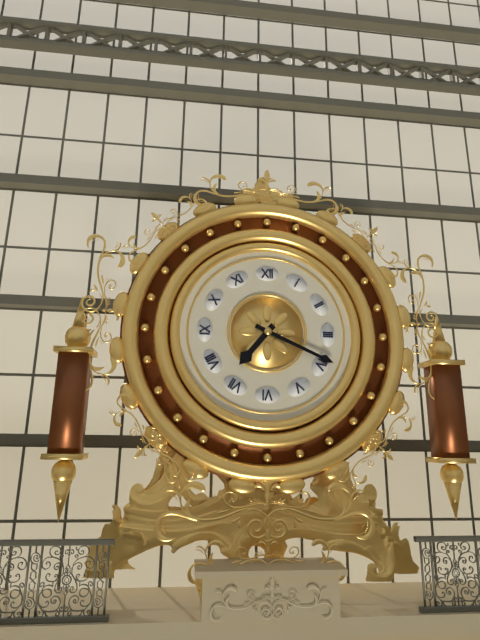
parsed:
7:19
